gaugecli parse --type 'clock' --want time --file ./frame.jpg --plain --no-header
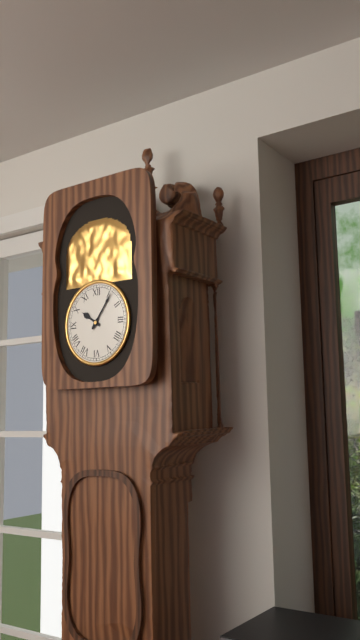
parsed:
10:06
